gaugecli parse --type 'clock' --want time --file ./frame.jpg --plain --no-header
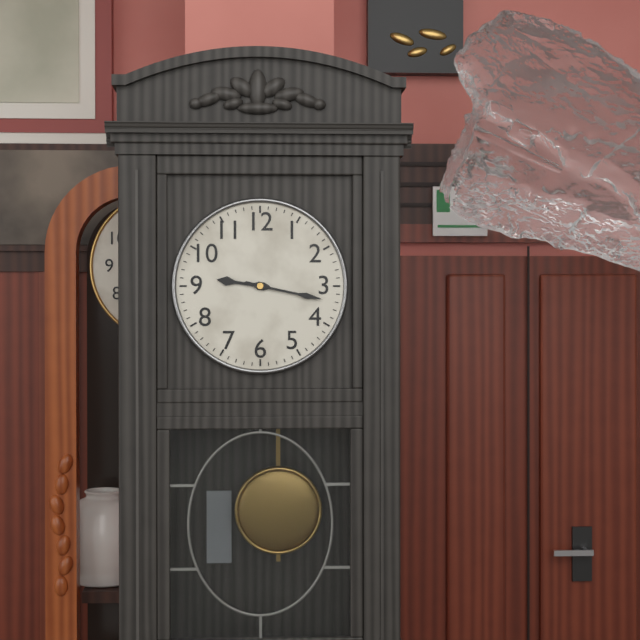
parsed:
9:17
